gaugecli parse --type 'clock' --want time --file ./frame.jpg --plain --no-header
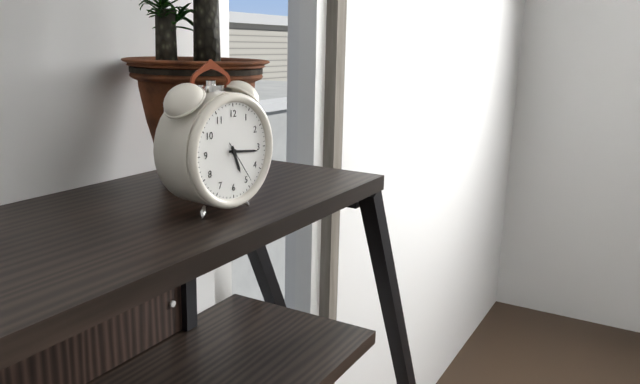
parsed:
5:16
